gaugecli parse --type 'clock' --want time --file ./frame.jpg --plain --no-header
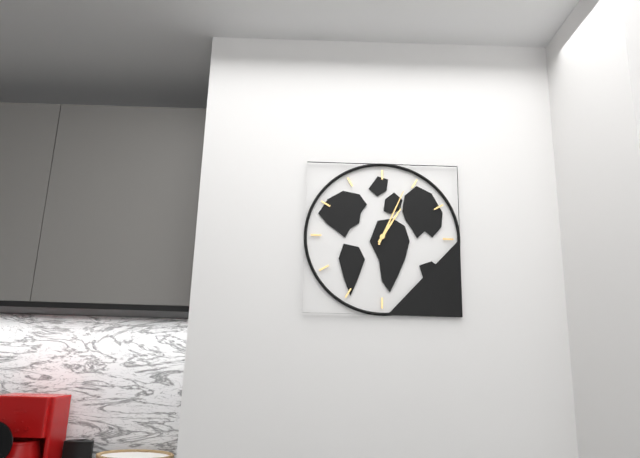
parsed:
1:04
